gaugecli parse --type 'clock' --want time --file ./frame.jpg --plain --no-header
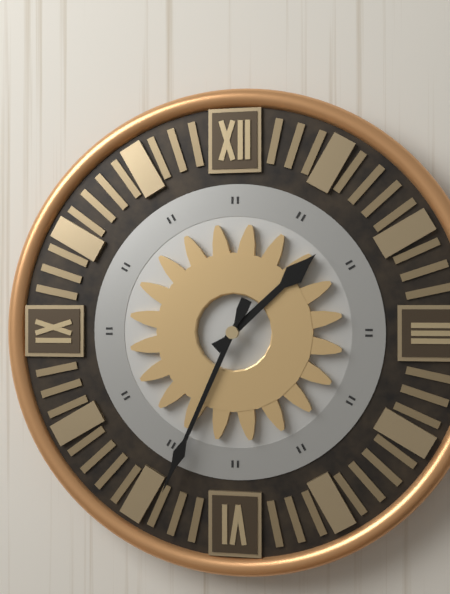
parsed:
1:34
